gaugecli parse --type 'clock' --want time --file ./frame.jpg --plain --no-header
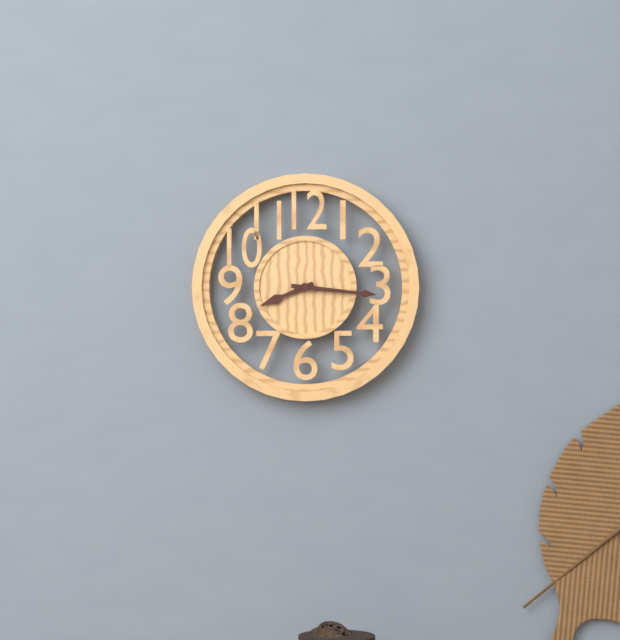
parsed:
8:16
